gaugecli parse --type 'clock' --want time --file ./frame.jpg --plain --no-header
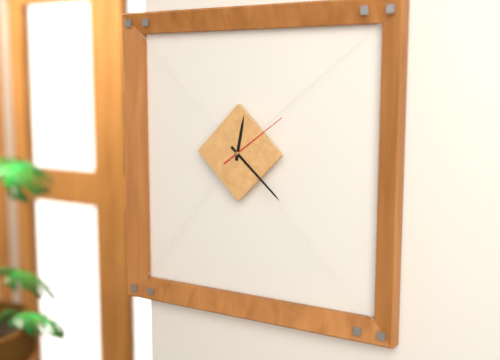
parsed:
12:22:09
